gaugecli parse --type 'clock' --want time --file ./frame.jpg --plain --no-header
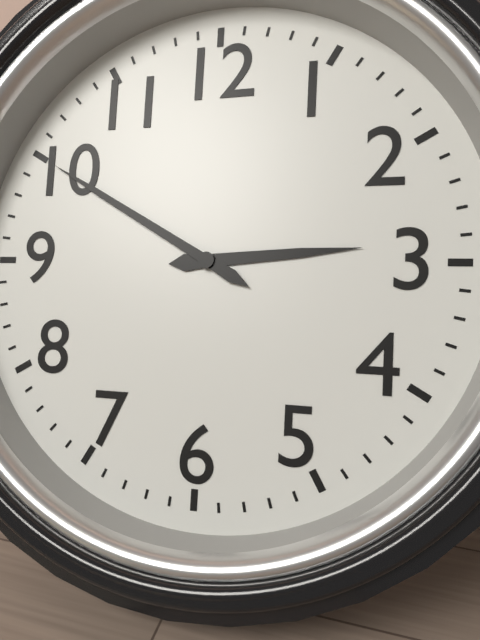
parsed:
2:50
